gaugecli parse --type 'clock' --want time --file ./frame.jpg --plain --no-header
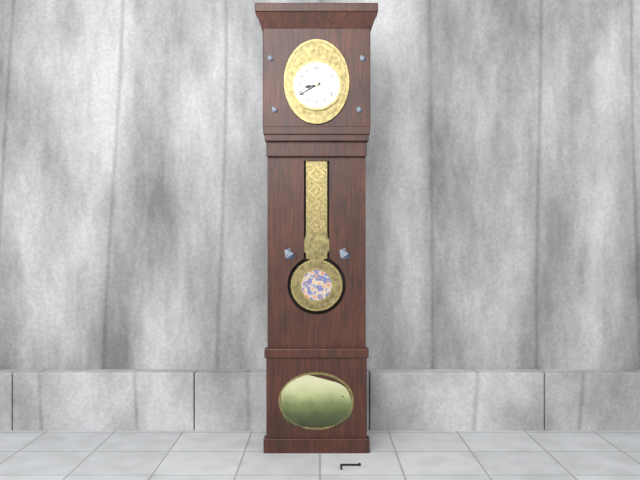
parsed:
8:40
